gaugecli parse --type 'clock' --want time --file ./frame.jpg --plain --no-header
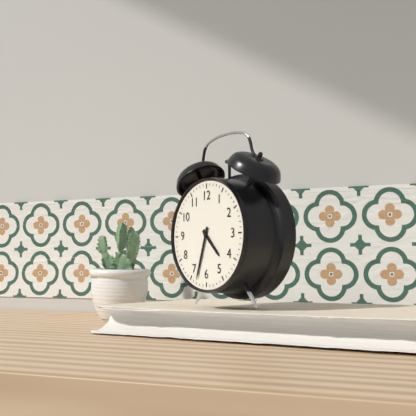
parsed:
4:33
